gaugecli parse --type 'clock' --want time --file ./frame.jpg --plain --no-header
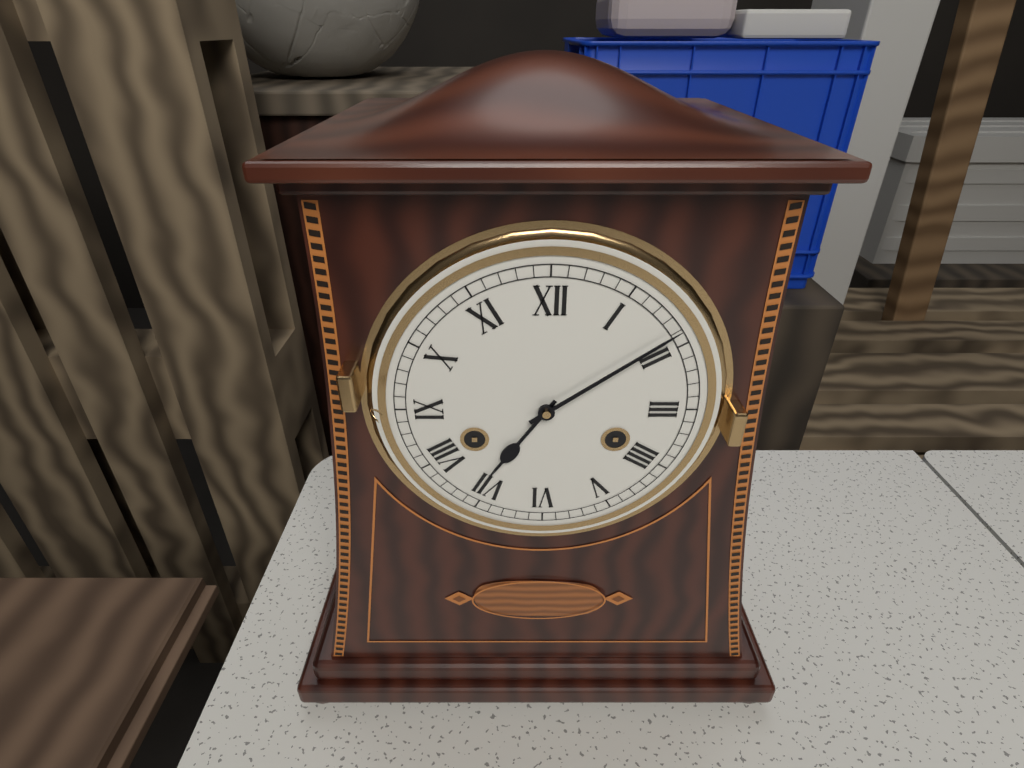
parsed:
7:09
